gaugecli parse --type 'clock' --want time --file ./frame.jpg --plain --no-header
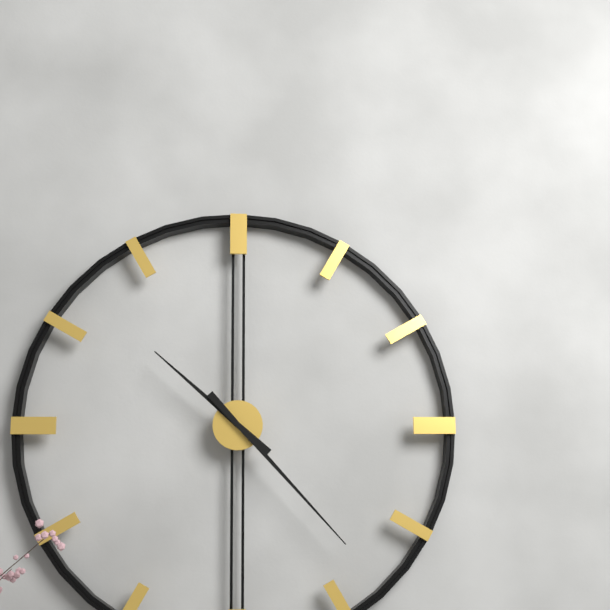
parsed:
10:23
